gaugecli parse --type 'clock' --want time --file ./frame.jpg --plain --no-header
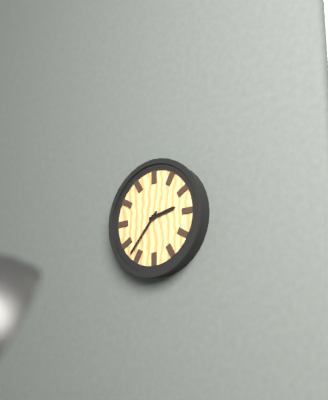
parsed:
2:37
